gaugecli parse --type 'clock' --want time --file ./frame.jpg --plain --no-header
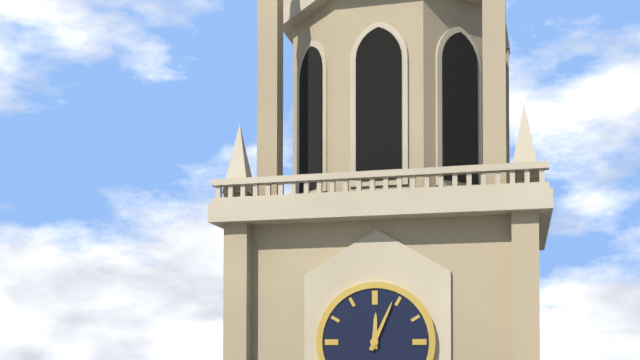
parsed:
12:04
